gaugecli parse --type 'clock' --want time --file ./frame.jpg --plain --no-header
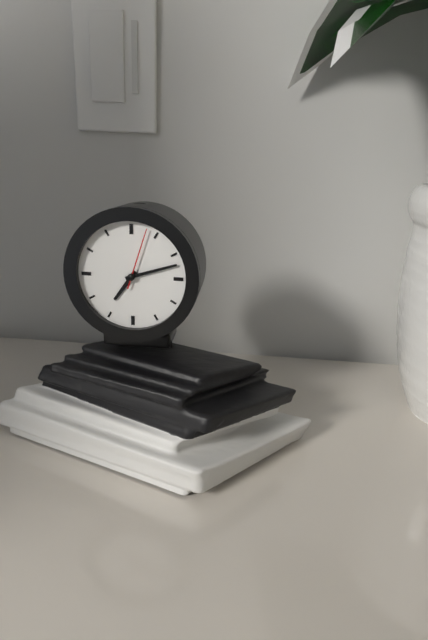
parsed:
7:12:03
